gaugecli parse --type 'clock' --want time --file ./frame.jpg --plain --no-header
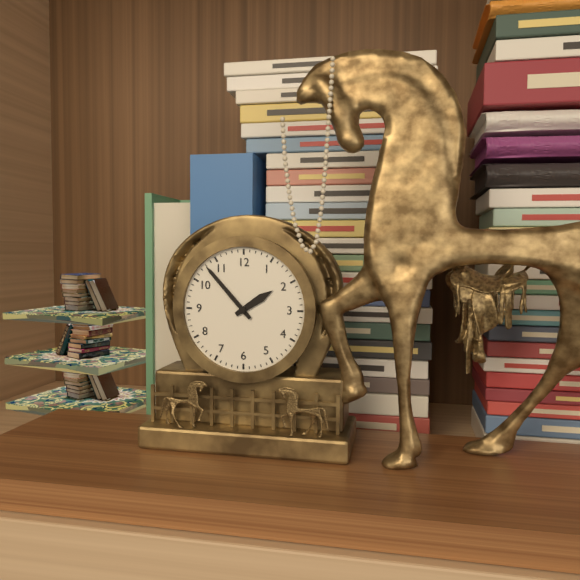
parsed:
1:53
